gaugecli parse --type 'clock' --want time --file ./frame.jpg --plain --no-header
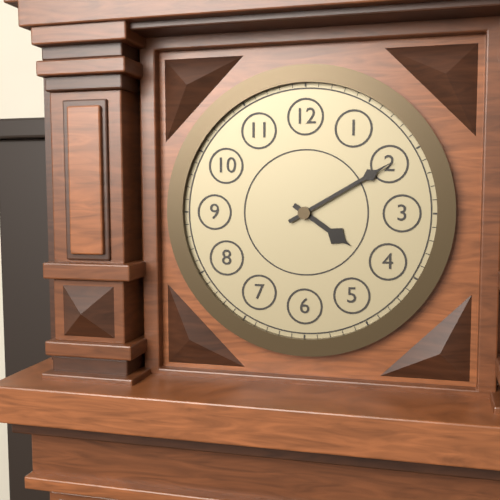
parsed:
4:10
